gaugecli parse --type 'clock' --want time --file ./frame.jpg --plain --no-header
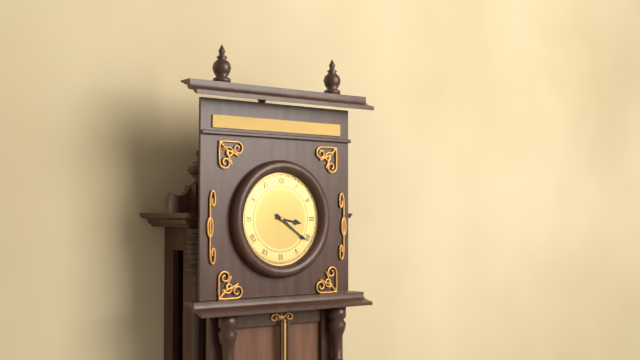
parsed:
3:21
